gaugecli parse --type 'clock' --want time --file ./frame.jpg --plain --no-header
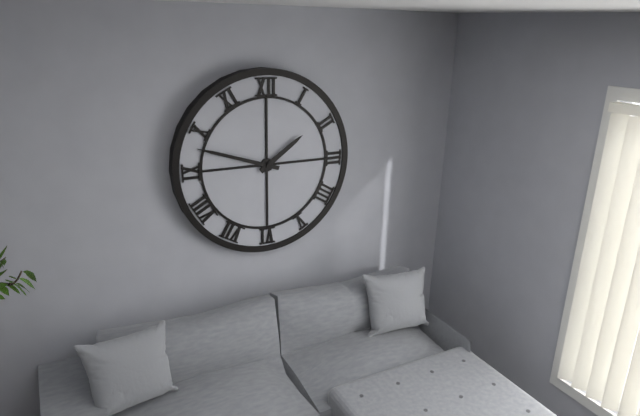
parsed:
1:48
